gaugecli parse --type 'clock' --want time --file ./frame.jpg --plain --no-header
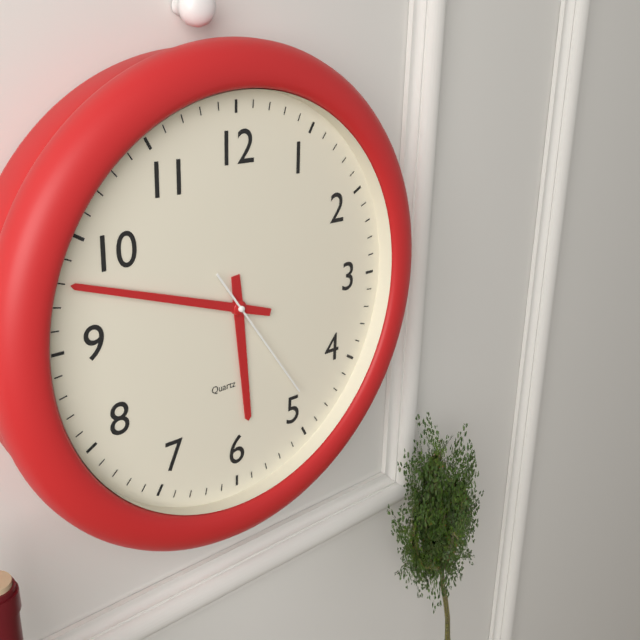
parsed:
5:48:24
